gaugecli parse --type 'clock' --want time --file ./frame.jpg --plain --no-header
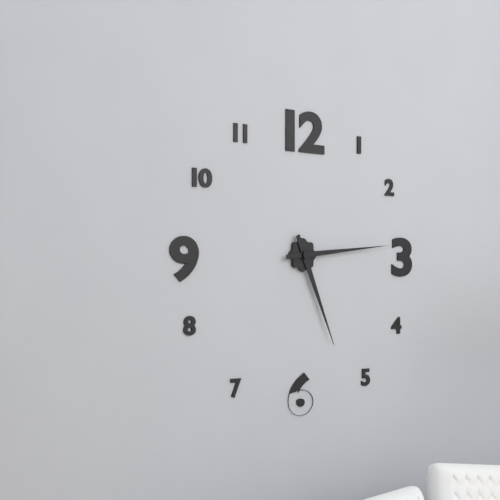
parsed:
5:14
